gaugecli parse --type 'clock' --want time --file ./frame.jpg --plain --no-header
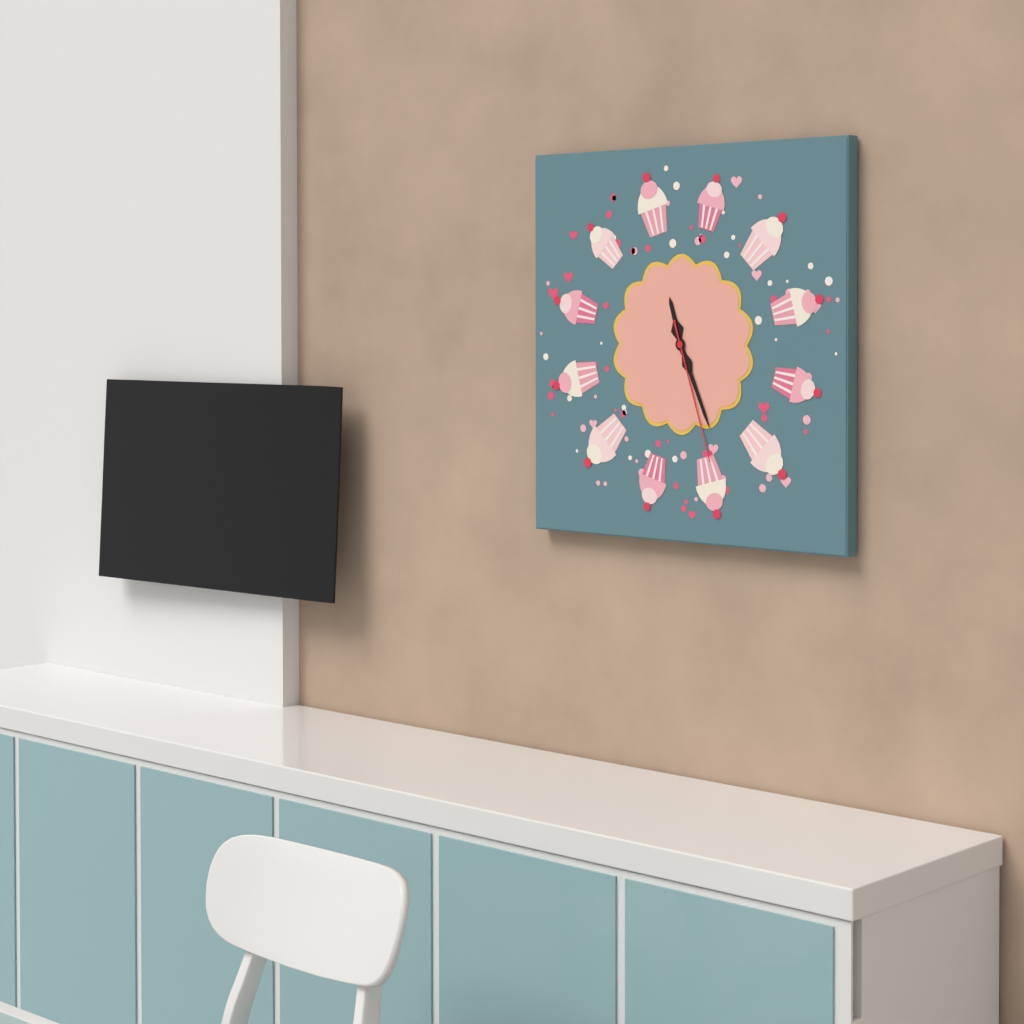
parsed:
11:26:27
